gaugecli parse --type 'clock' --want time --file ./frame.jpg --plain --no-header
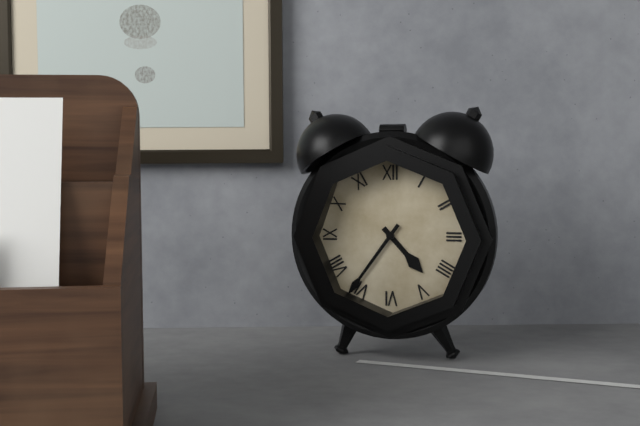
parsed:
4:36
